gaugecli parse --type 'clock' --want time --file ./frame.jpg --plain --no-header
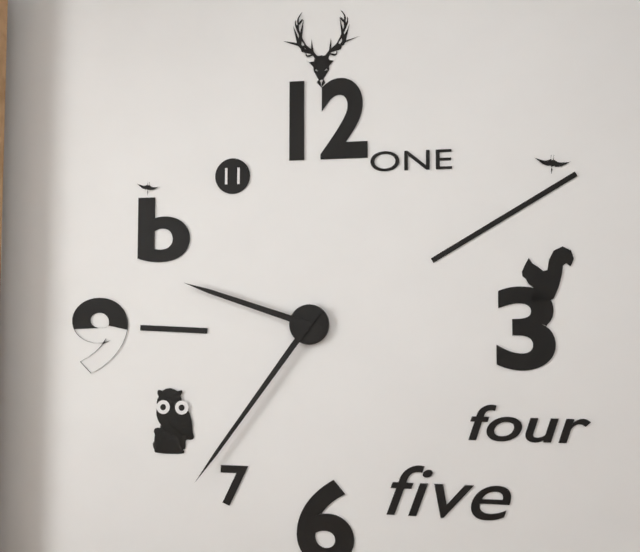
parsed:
9:36
